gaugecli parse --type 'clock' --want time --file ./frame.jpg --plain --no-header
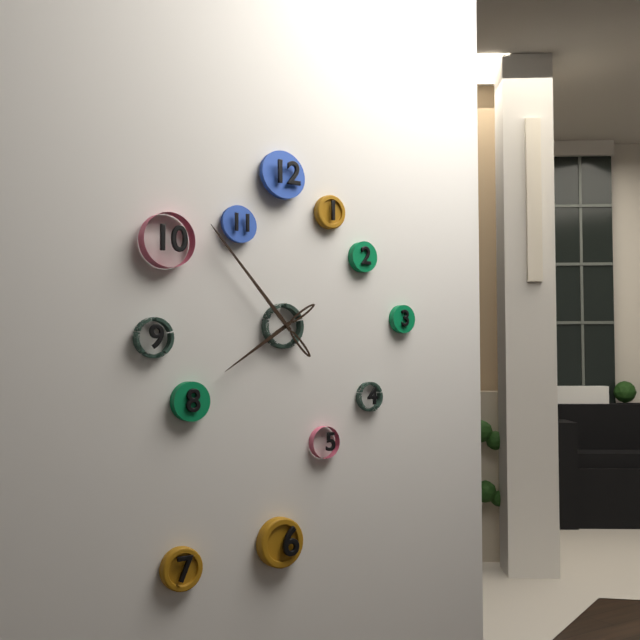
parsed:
7:53
